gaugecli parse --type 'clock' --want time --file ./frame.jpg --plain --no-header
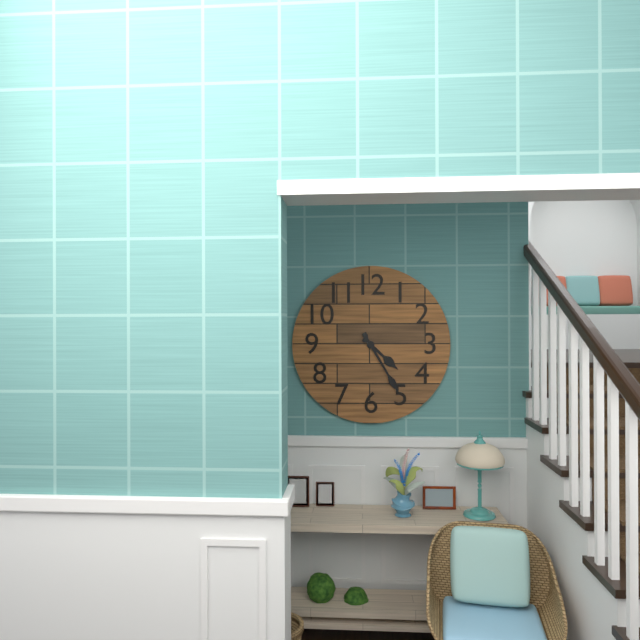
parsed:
4:25
